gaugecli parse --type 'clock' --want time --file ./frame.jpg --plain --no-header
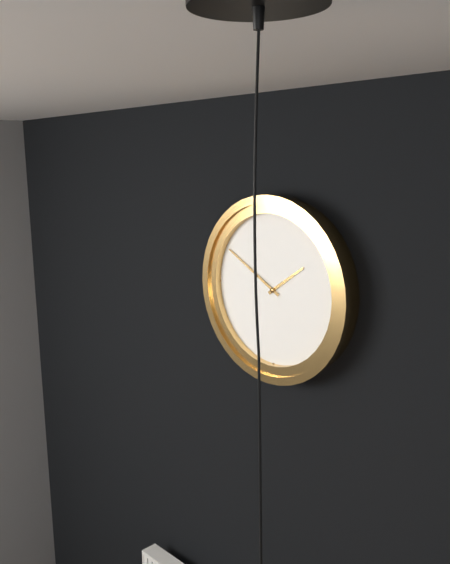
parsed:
1:50
